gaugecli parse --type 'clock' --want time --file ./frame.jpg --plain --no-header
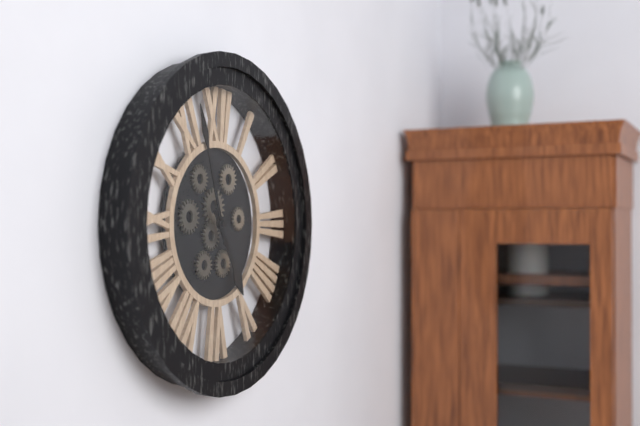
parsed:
4:57
